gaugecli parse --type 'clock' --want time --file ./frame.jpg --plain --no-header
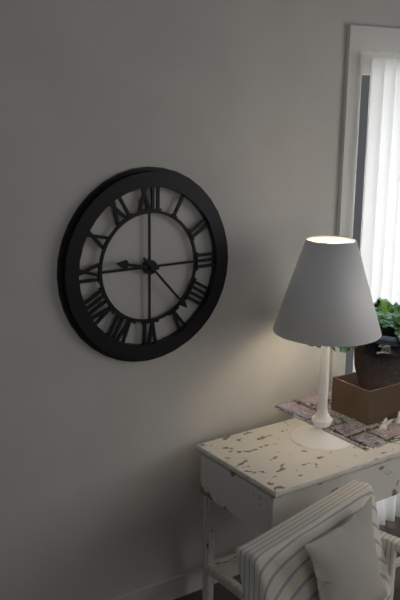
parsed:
9:23
